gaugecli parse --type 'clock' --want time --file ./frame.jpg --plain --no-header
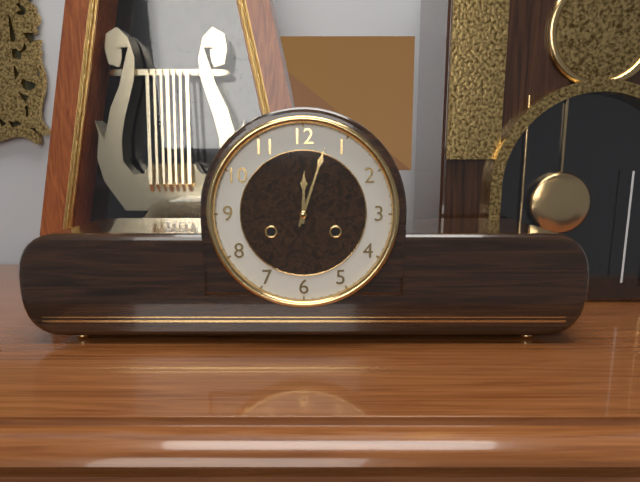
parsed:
12:03
